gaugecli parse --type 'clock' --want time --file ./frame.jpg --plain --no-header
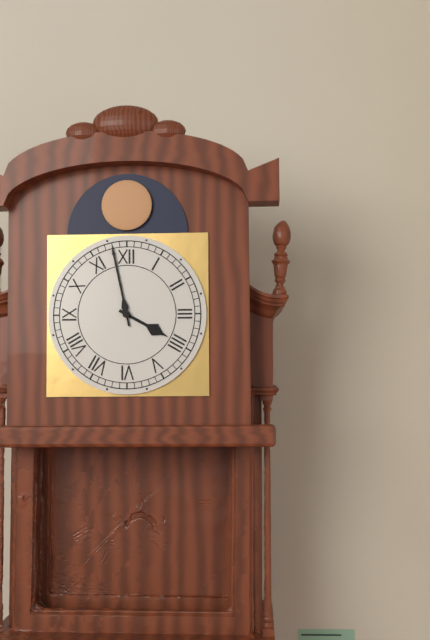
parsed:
3:58
